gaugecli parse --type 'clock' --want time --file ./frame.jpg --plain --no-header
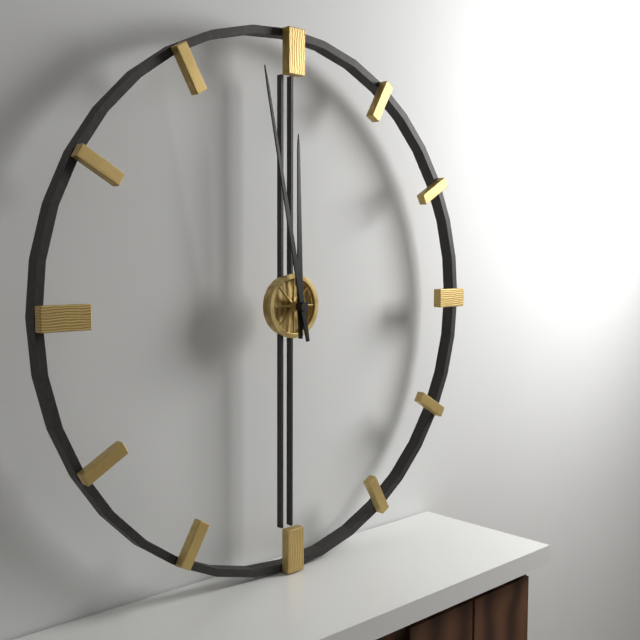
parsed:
11:58
